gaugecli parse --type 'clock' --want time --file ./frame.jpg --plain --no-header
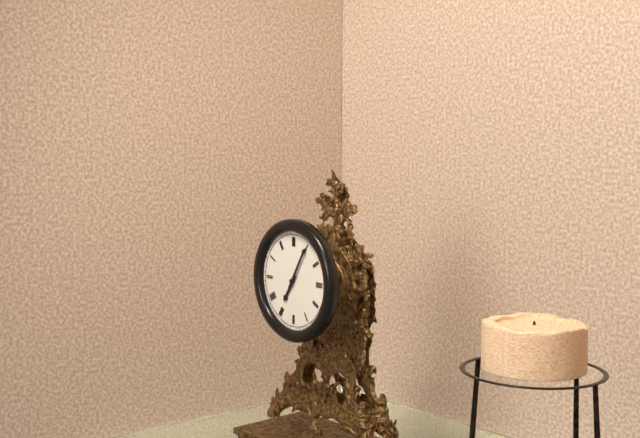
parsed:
7:05
